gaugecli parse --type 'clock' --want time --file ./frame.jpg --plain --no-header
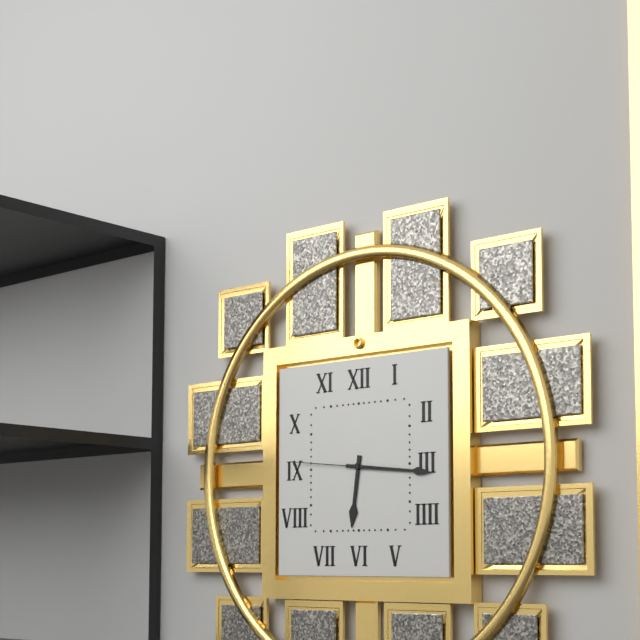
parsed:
6:16:46
